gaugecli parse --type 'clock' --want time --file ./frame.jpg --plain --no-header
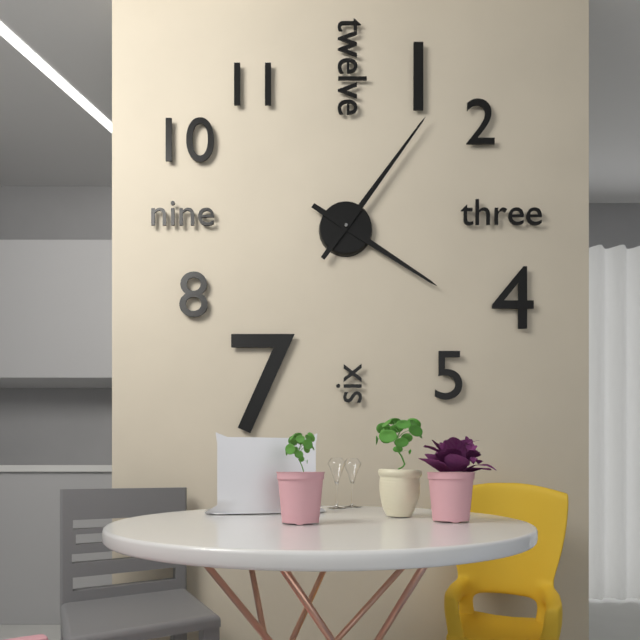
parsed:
4:06
